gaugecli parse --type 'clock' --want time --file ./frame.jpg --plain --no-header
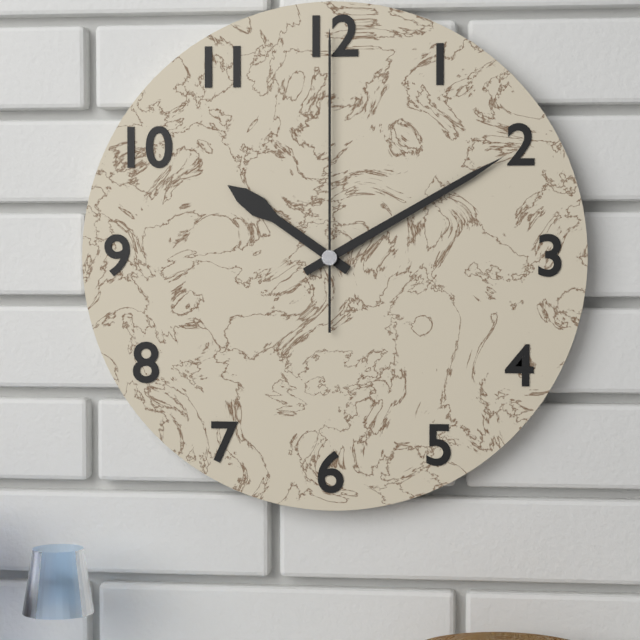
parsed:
10:10:00
